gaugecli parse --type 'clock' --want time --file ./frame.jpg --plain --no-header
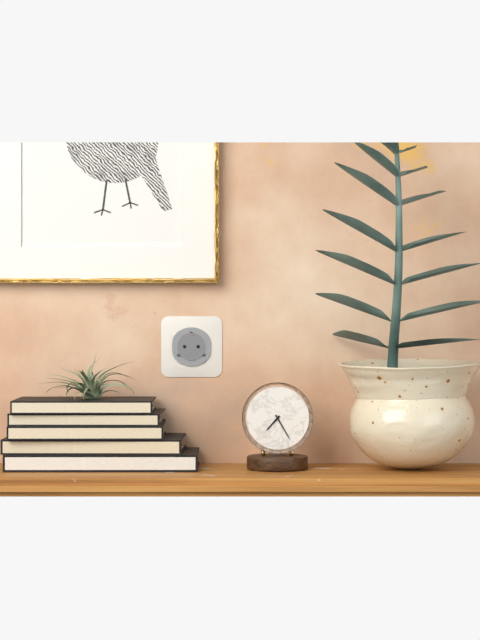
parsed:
7:25
